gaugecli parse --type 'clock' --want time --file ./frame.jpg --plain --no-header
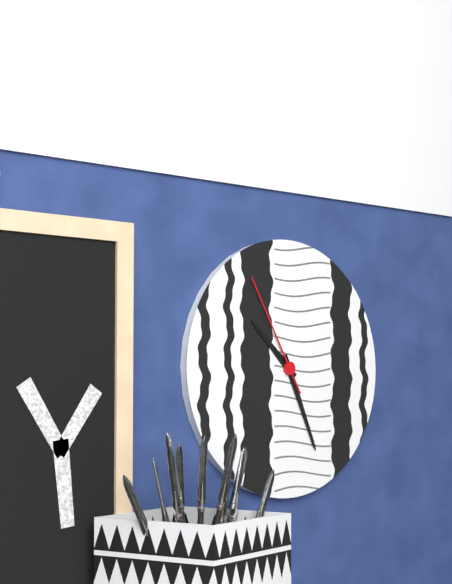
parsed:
10:26:55
